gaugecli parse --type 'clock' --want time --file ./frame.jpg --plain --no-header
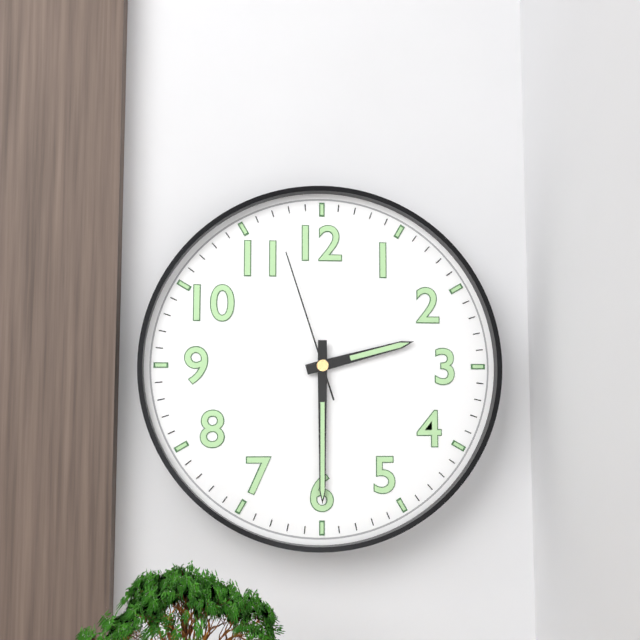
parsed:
2:30:57
